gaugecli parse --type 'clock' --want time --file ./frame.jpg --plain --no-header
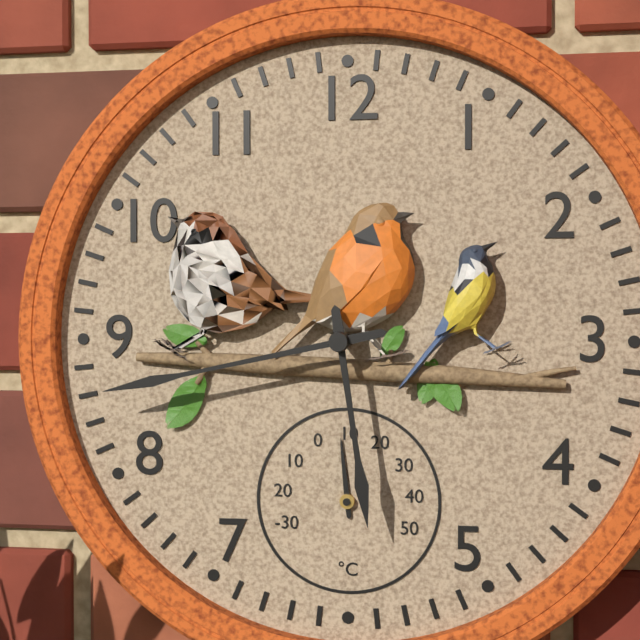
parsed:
5:43
